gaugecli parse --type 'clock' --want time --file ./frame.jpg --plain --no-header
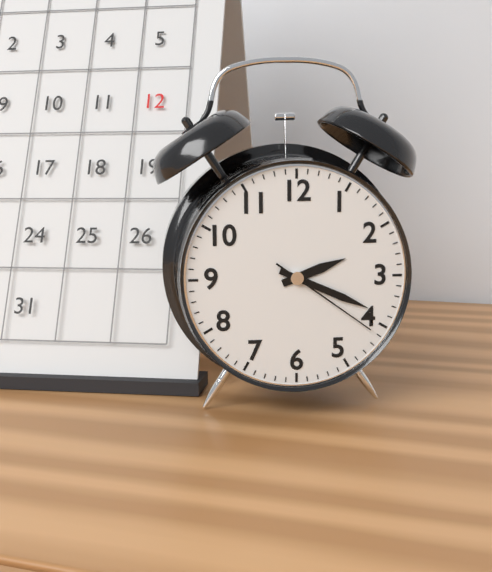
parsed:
2:19:21
